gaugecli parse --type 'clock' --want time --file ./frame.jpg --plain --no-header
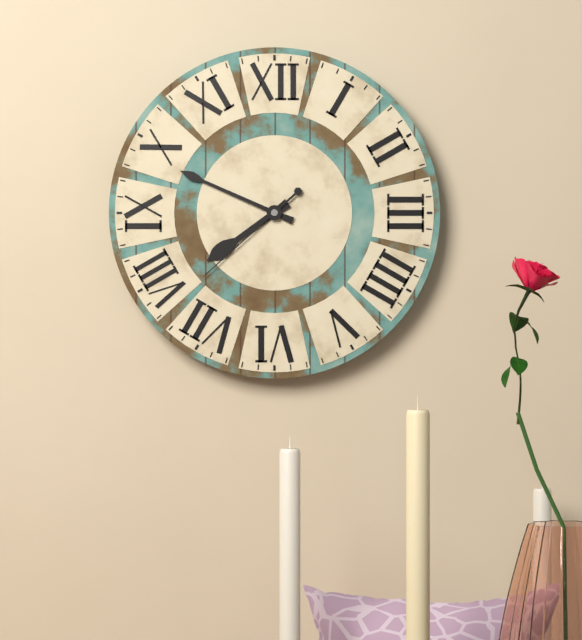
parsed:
7:49:38
